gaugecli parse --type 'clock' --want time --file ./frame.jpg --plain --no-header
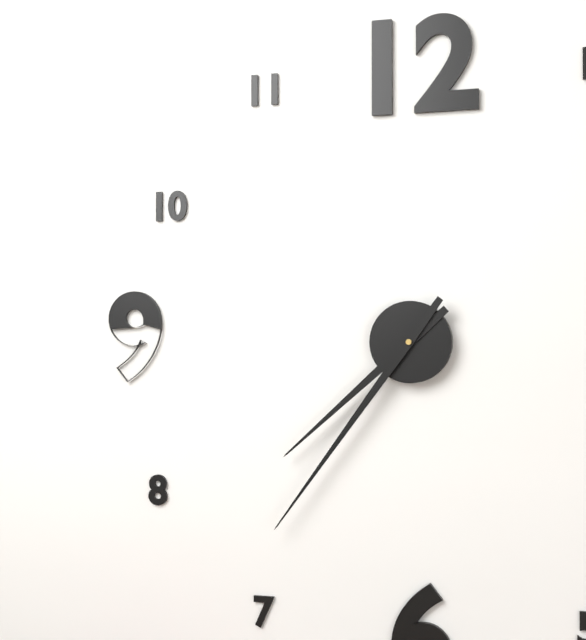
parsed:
7:36
